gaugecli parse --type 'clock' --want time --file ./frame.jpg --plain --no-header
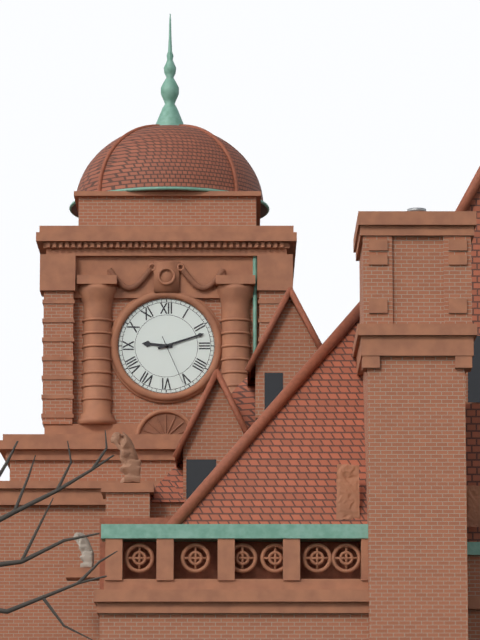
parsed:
9:12:26
